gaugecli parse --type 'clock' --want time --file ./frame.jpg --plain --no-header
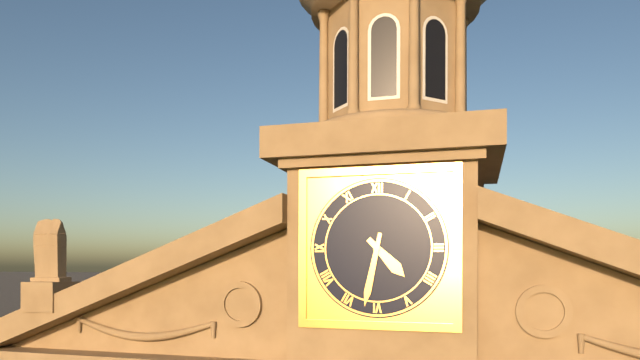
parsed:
4:32
